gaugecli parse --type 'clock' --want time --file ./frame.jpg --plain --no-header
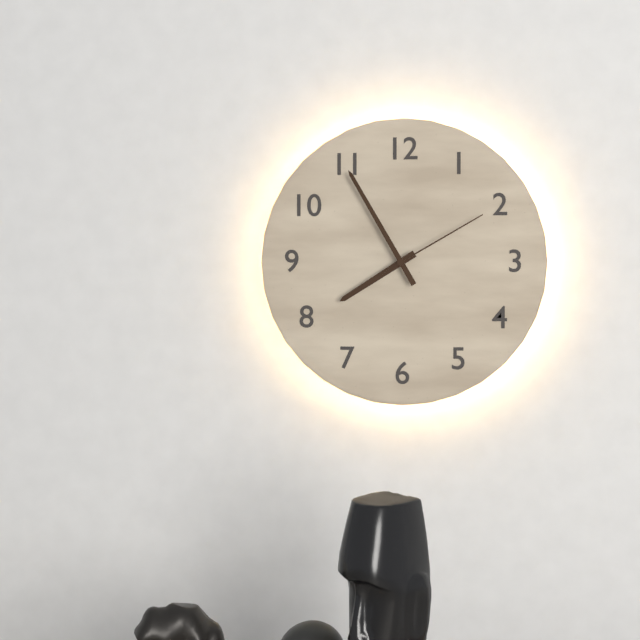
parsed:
7:55:10
